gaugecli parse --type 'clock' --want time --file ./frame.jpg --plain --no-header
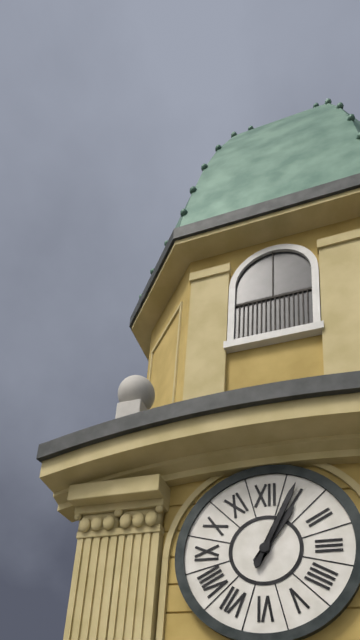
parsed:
1:04
